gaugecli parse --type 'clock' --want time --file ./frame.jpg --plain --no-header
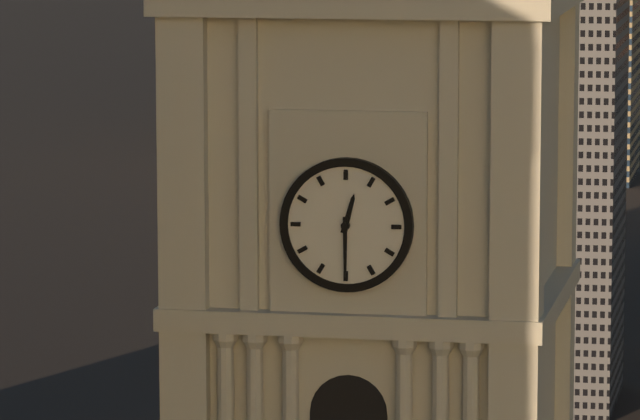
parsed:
12:30
